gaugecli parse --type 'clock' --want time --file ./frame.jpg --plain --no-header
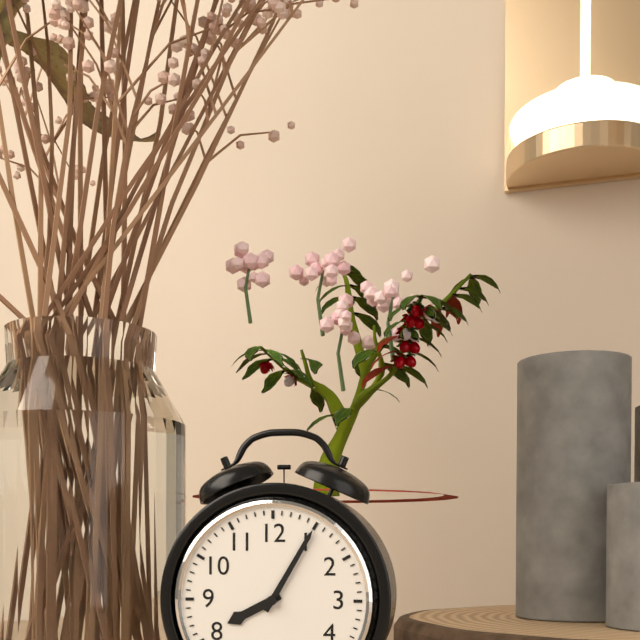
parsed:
8:05
